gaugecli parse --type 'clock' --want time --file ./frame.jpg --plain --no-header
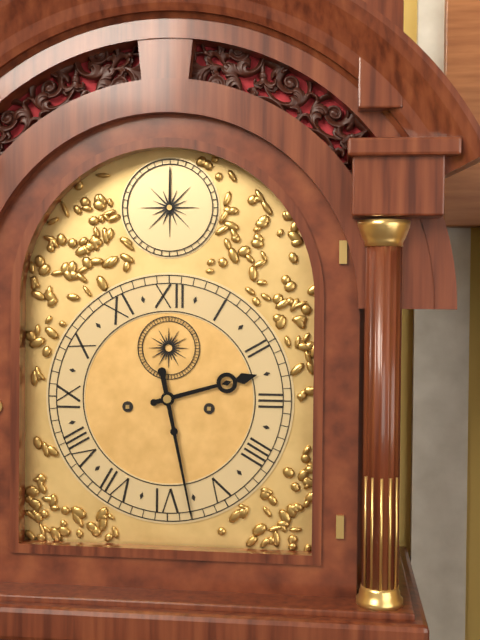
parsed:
2:28
